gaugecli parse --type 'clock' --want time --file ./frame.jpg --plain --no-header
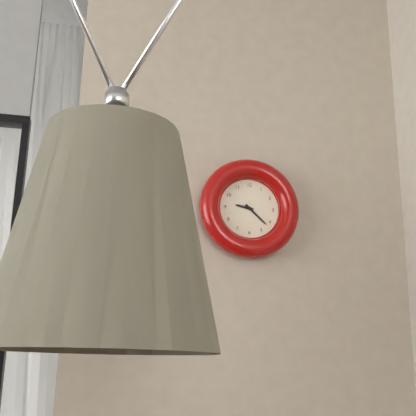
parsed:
9:22
